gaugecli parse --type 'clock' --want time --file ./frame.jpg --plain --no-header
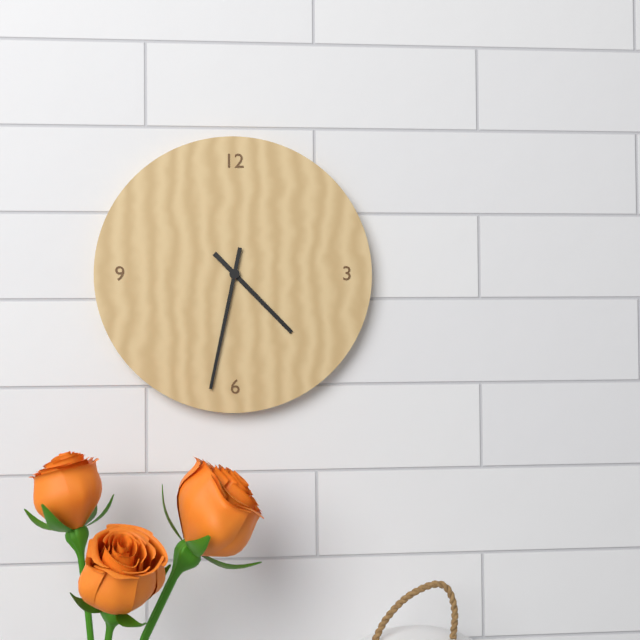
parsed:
4:32
